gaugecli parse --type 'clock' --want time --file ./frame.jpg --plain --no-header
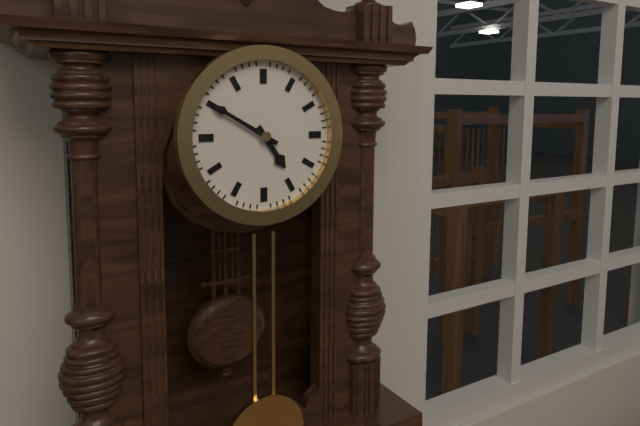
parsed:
4:50
